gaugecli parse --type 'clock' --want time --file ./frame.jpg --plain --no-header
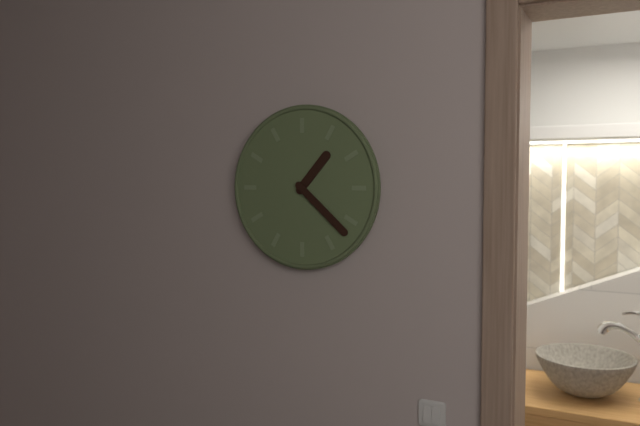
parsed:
1:22
